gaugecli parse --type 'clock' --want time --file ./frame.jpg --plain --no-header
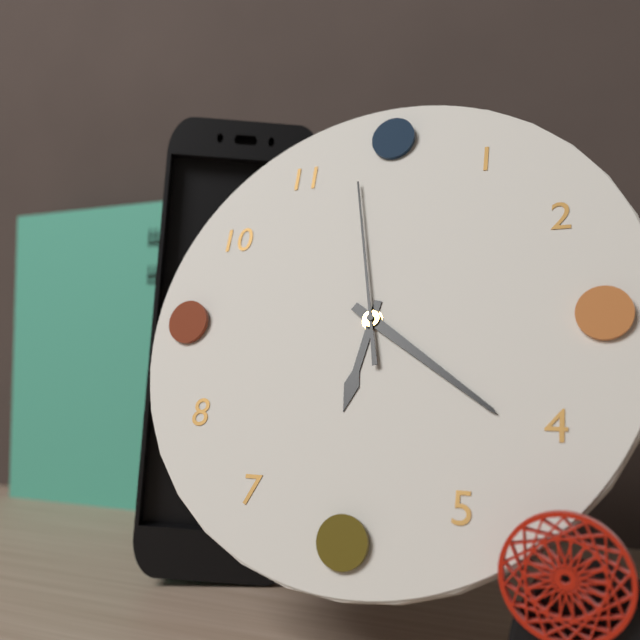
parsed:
6:21:58
